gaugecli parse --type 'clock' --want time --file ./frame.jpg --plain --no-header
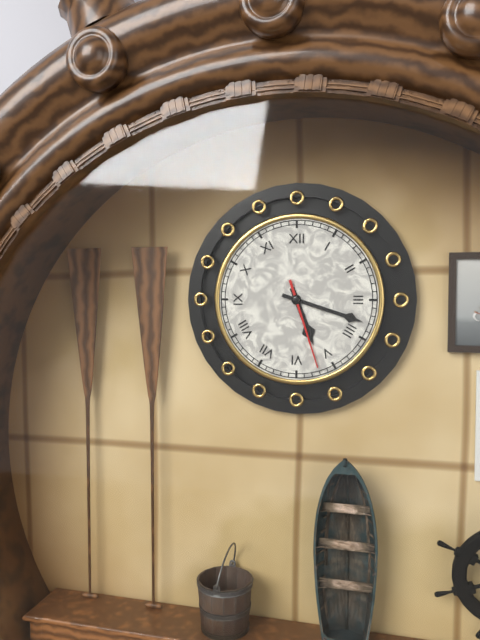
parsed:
5:18:27
